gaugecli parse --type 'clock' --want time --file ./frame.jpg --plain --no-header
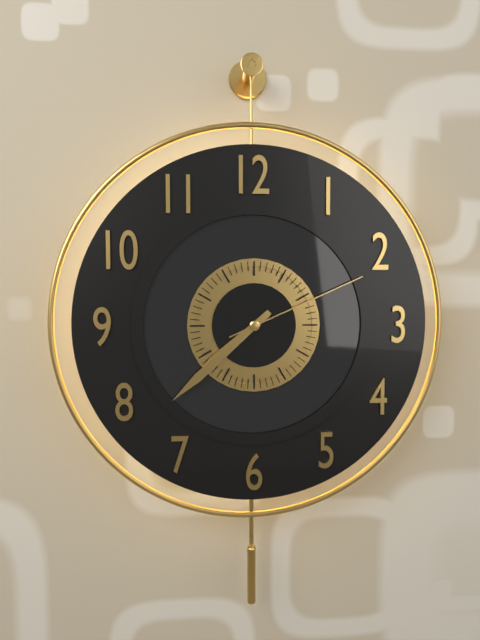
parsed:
7:38:11
